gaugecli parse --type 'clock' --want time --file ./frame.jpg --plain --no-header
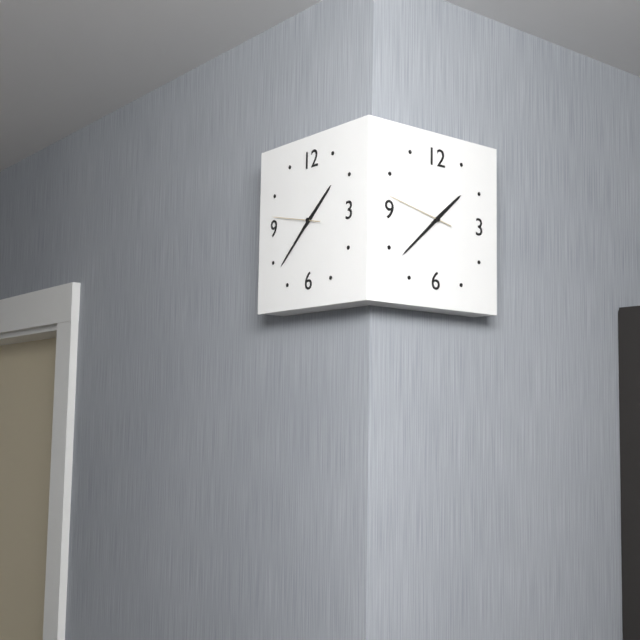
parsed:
1:38
